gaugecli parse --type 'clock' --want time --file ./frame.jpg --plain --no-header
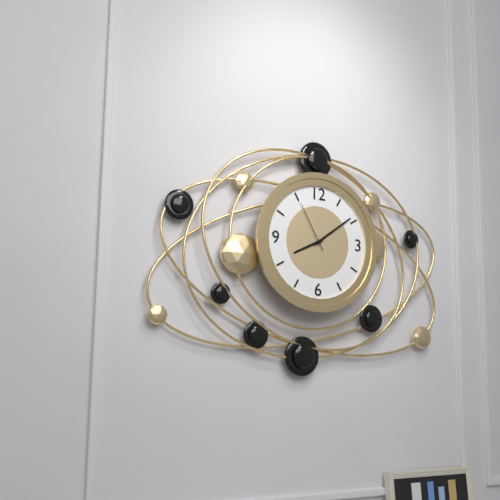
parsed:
8:09:55
